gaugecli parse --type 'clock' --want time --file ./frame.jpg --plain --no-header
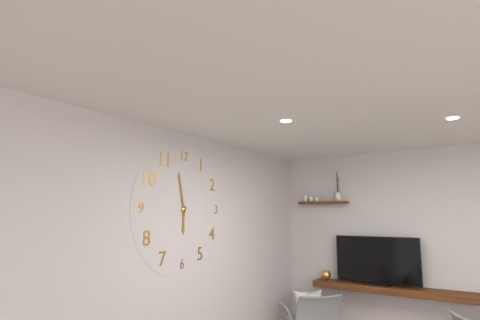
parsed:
5:58
